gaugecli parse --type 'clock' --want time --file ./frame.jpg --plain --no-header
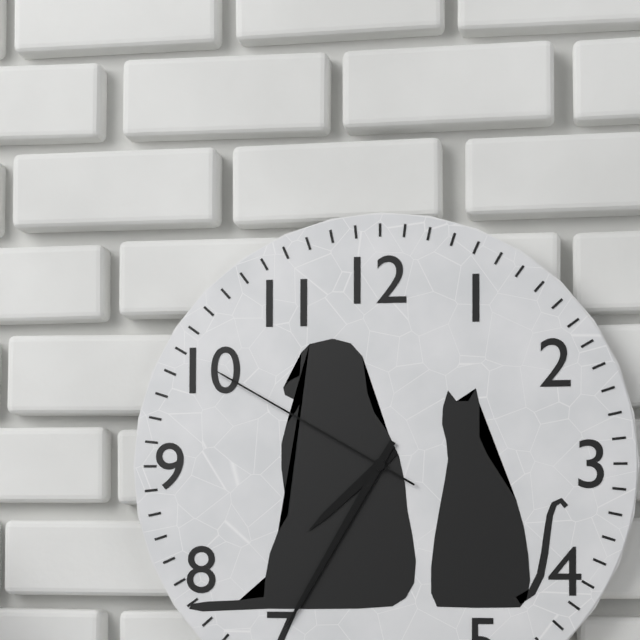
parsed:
7:35:50
